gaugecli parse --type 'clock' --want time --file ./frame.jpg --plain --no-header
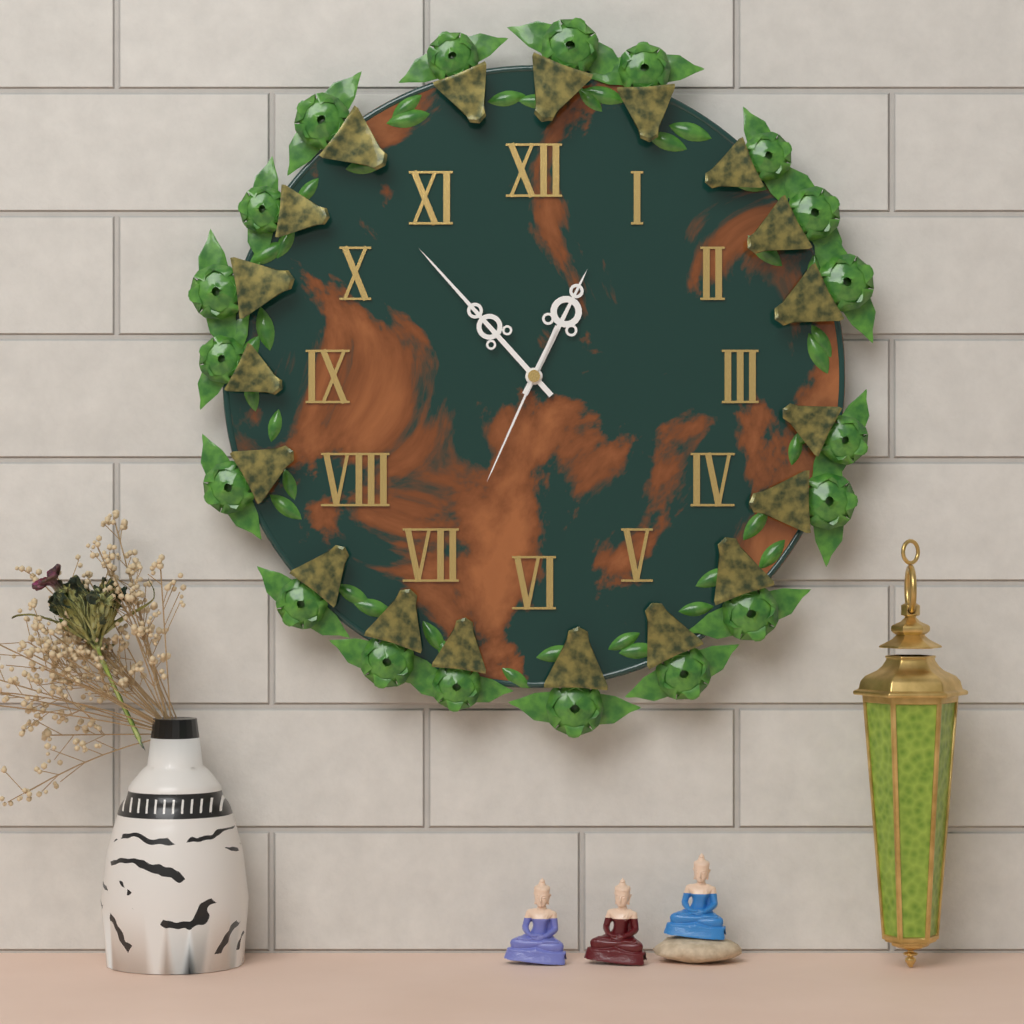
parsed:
12:53:34
